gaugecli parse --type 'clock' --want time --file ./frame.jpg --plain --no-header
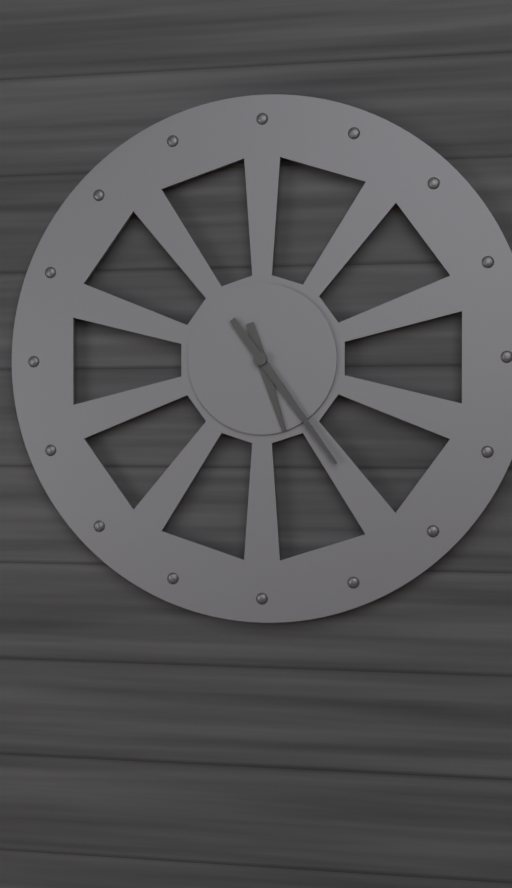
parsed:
5:24
